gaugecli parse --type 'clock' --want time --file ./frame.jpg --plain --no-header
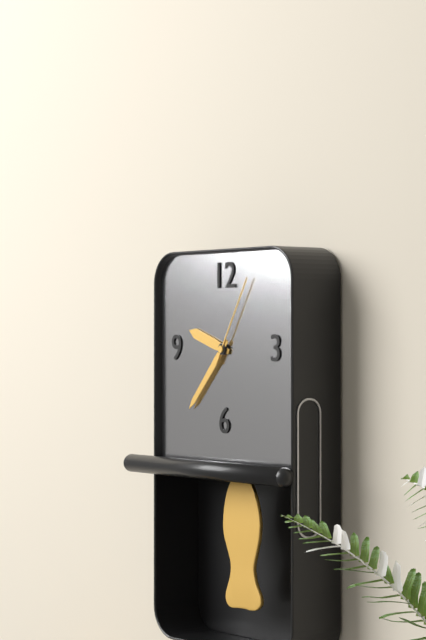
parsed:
9:37:05
